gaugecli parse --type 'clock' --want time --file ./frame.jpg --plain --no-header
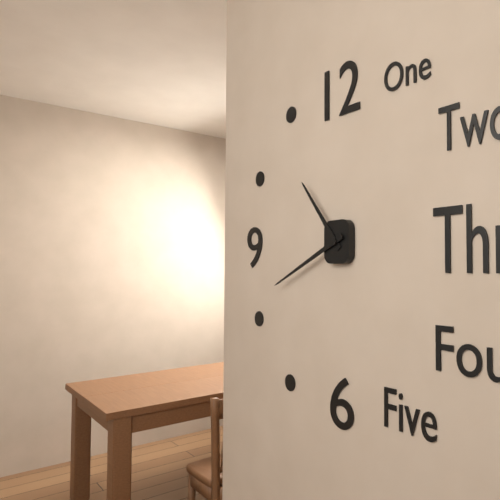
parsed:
10:41
